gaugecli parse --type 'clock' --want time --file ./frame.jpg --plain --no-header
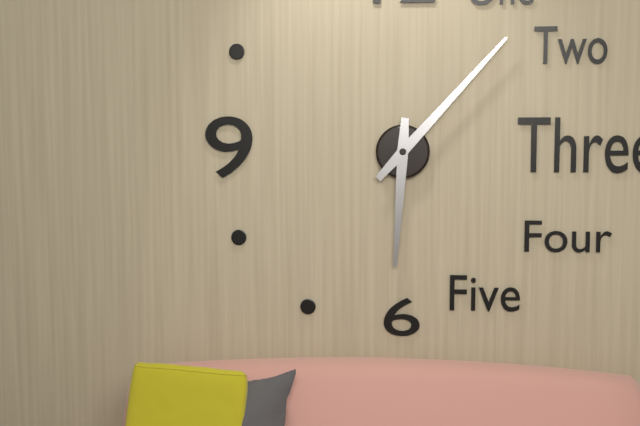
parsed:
6:07
